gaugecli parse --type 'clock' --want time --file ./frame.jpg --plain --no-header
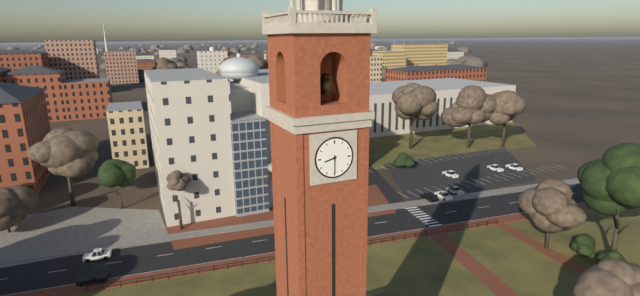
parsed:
8:30
